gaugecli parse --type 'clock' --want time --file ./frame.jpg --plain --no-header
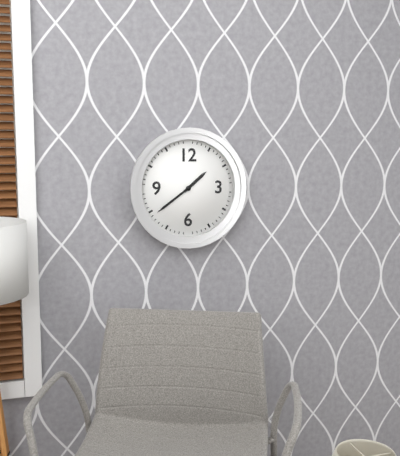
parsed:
1:39
